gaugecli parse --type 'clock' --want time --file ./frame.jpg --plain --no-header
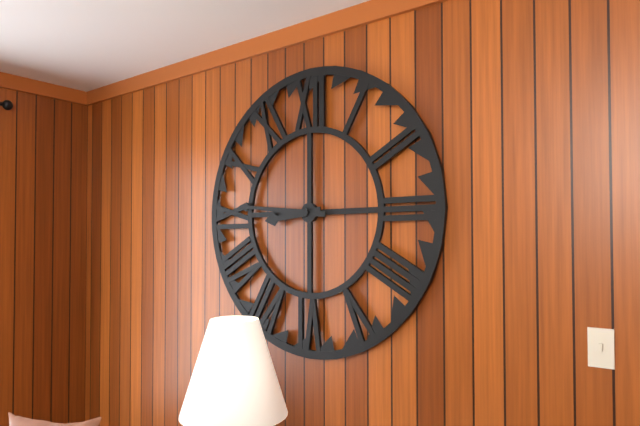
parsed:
8:46
